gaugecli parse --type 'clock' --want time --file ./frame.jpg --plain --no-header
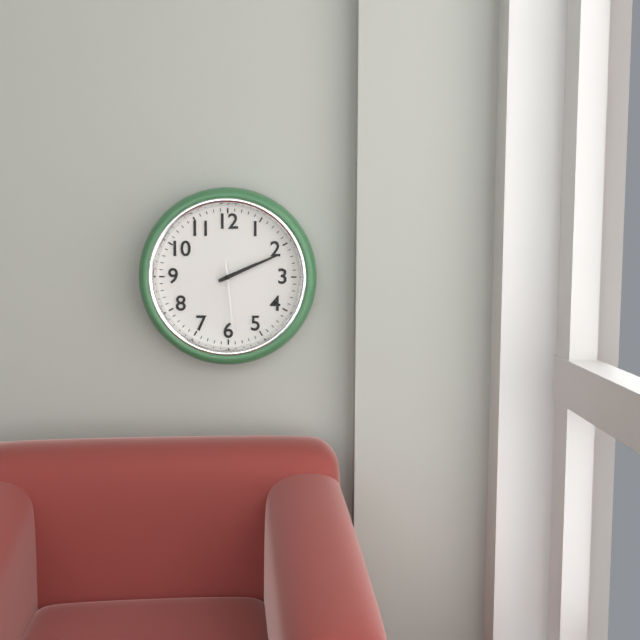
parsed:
2:11:29
